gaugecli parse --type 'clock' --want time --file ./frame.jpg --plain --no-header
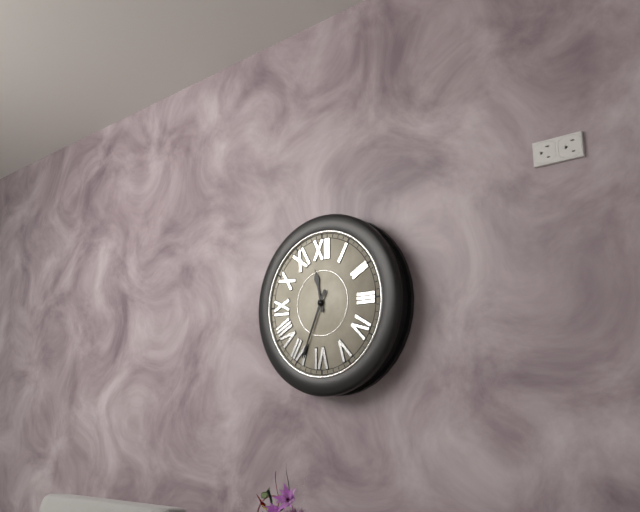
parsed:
11:34
